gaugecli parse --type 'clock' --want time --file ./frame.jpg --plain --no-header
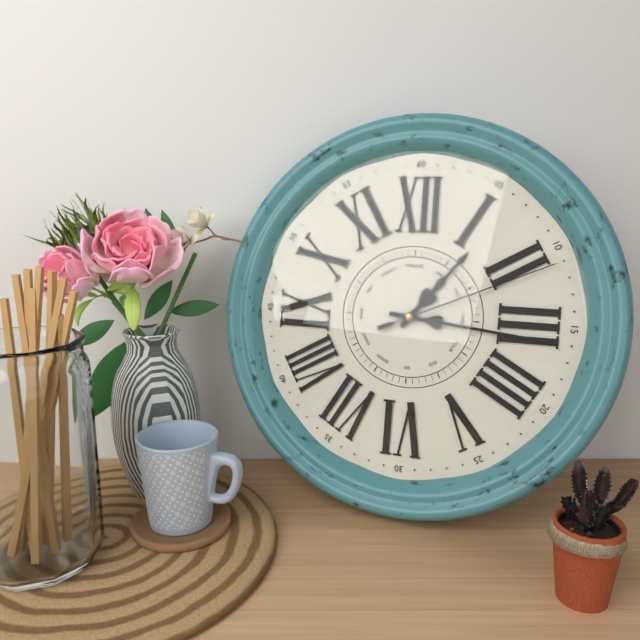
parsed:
1:16:11
